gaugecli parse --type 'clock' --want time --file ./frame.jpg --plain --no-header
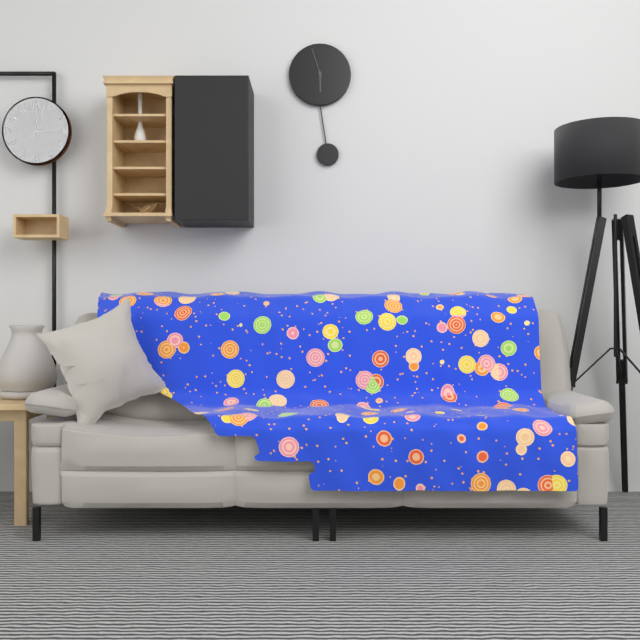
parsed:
5:57
